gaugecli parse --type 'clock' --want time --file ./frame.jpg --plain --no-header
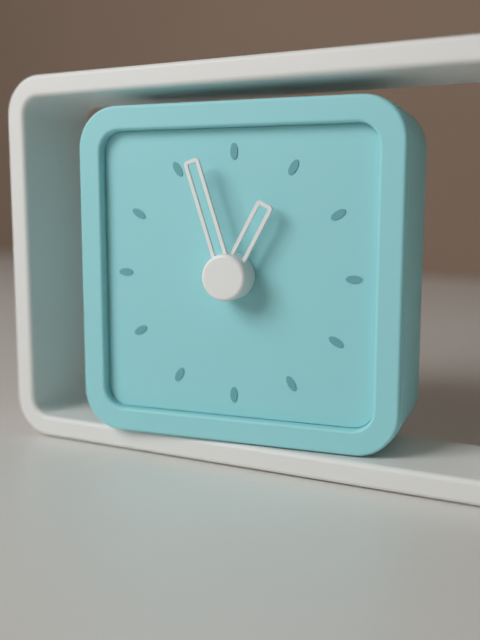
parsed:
12:57
